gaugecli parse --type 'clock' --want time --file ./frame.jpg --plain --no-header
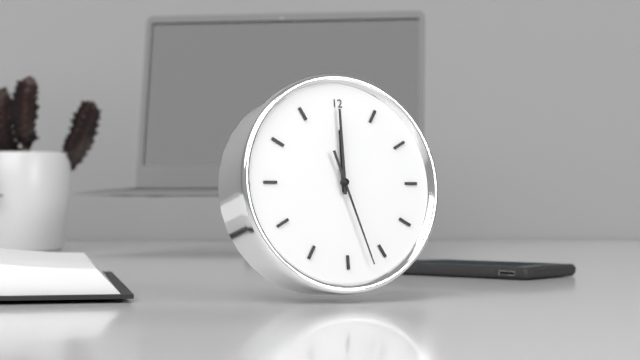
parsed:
12:00:27
